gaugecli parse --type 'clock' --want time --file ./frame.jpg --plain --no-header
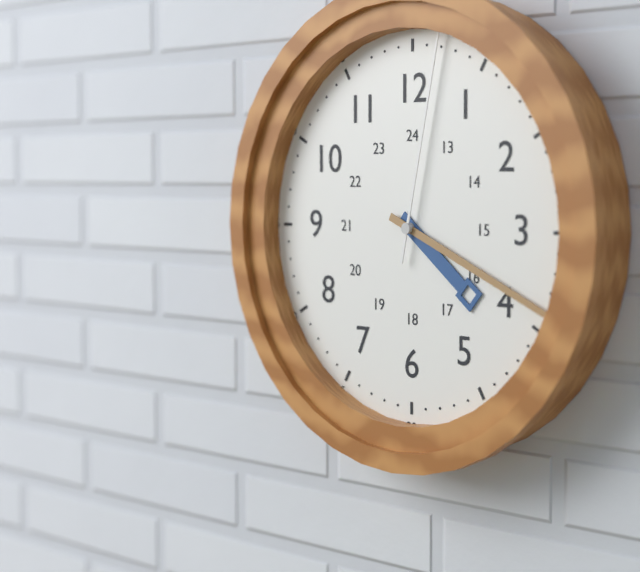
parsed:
4:19:02
